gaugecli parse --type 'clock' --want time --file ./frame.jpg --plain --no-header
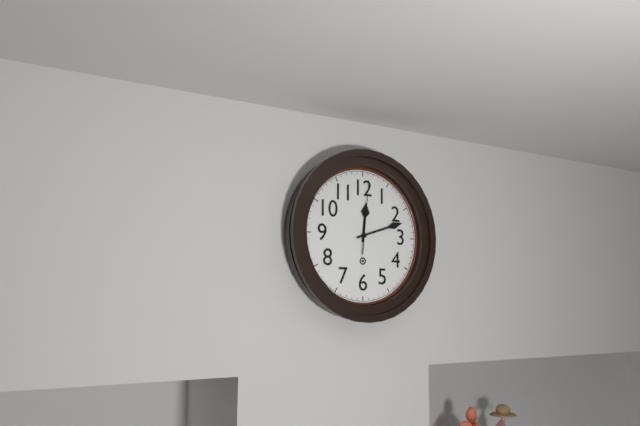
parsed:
12:12:01
